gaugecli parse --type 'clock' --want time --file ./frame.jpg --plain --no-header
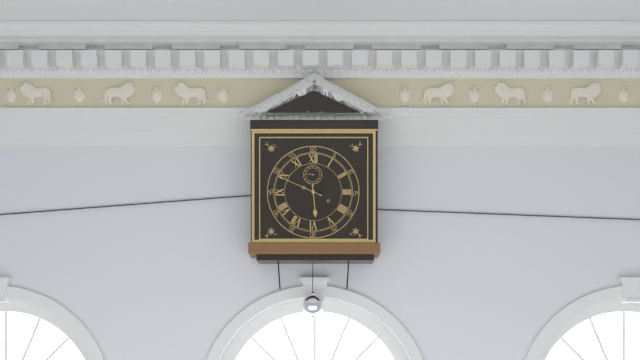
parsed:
5:49
